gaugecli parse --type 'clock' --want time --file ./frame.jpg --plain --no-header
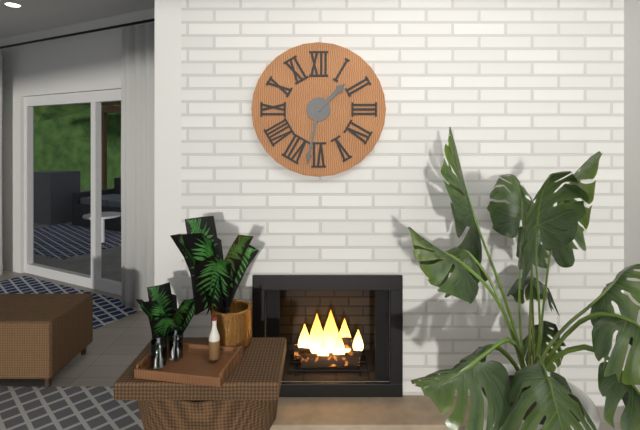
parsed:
1:32
